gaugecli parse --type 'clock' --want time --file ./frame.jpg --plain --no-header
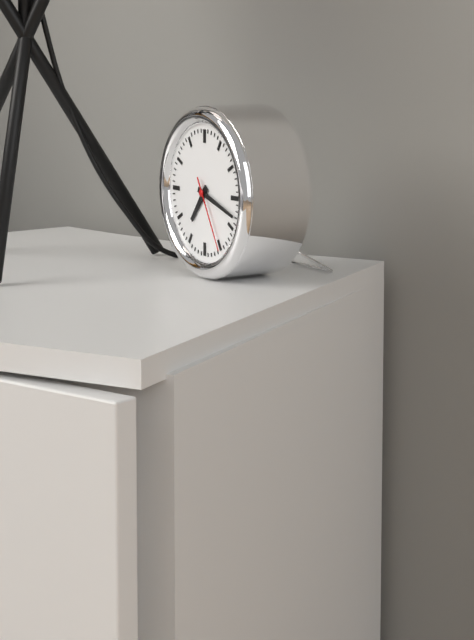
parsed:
7:18:25
